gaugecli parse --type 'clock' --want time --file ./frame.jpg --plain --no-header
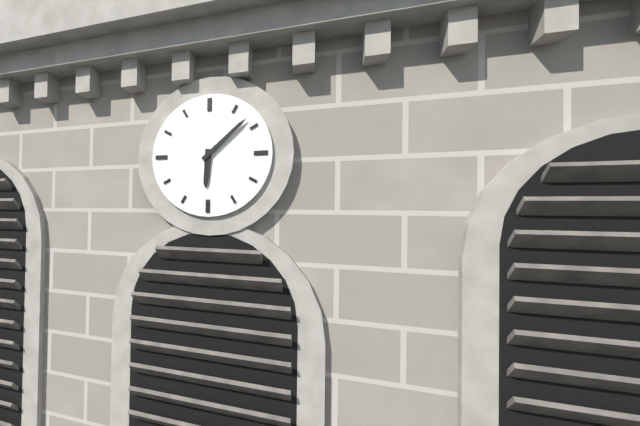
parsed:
6:08
